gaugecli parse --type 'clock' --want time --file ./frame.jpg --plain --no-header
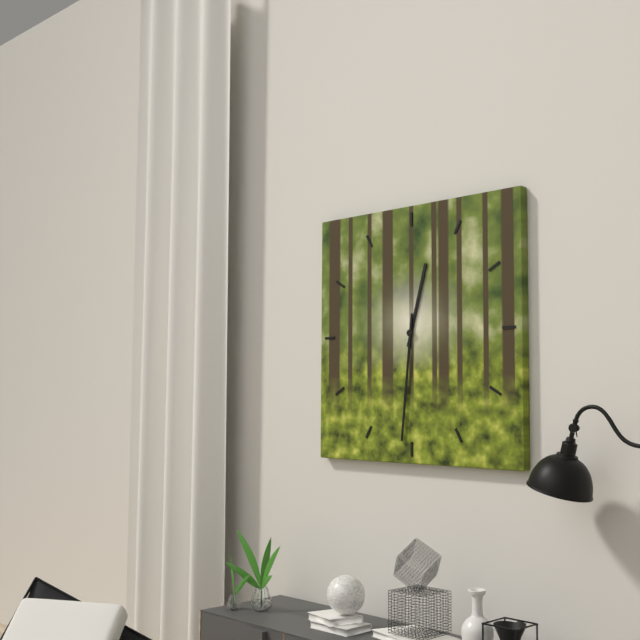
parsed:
12:31
